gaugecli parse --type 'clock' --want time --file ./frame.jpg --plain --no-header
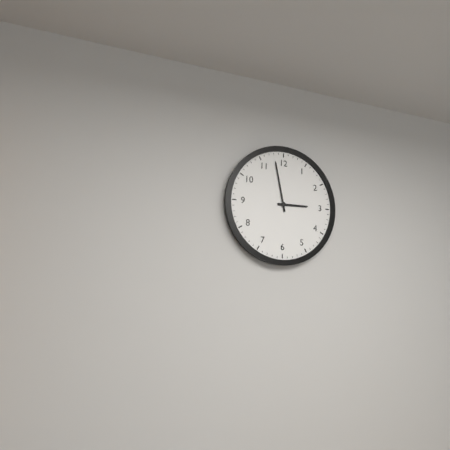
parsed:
2:58
